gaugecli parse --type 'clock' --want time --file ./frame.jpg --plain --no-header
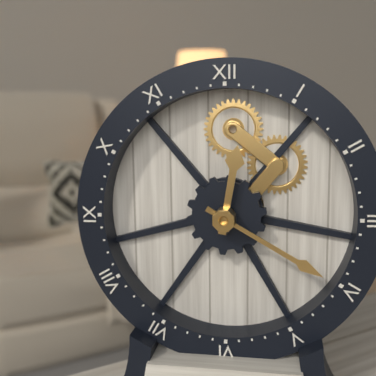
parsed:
12:20
